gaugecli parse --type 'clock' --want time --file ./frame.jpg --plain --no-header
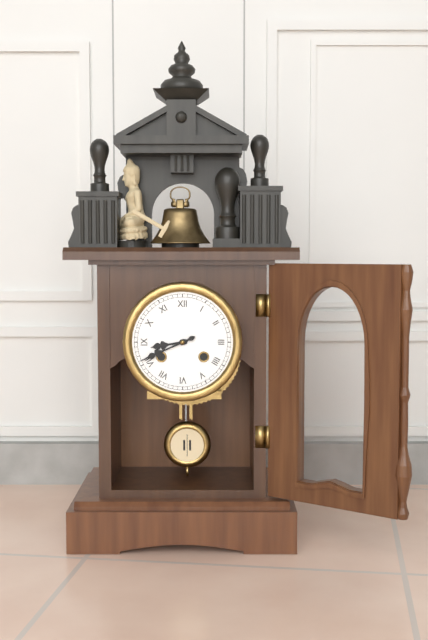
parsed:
8:41
